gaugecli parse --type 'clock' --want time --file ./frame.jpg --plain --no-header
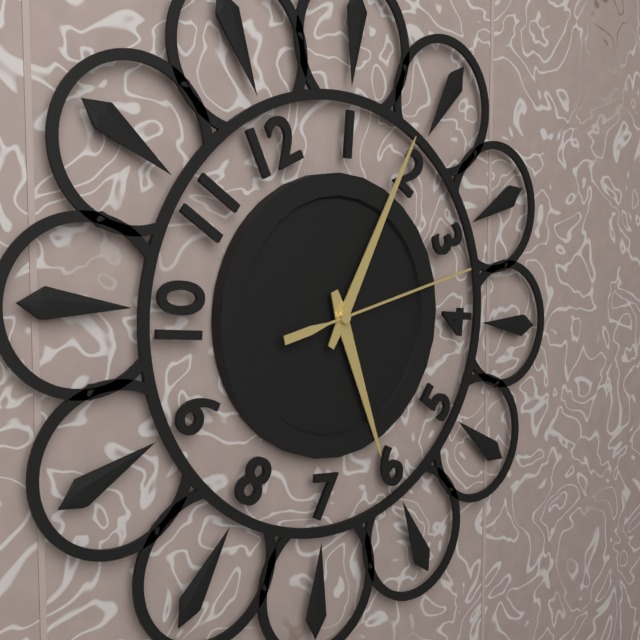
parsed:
6:09:17
